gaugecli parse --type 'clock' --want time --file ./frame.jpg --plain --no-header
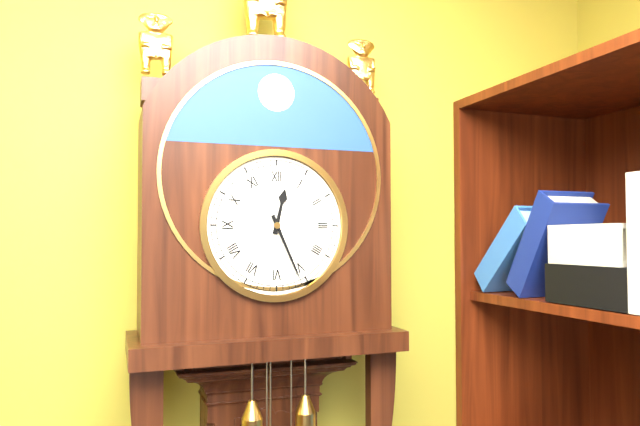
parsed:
12:26
